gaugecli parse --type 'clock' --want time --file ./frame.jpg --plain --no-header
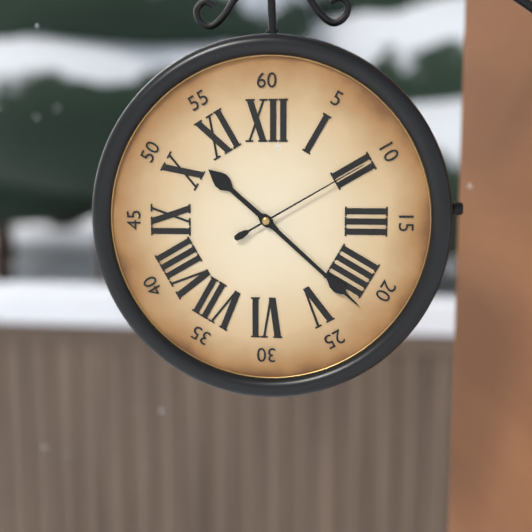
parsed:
10:22:10
